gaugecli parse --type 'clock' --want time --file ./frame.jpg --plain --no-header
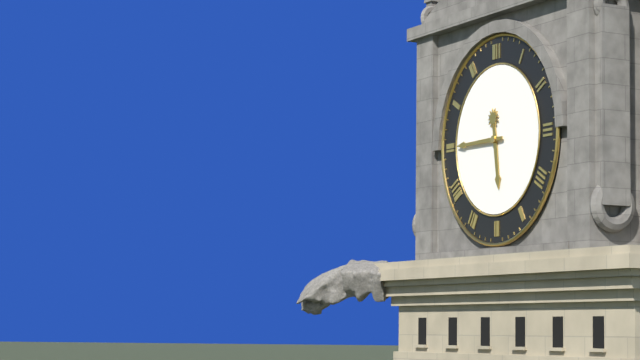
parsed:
5:45
